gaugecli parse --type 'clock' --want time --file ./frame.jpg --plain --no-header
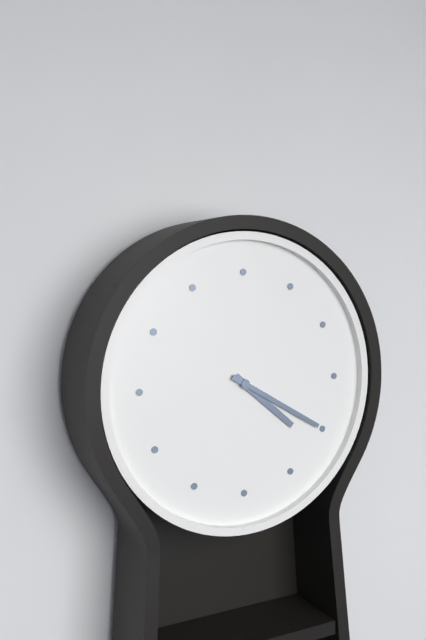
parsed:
4:20
